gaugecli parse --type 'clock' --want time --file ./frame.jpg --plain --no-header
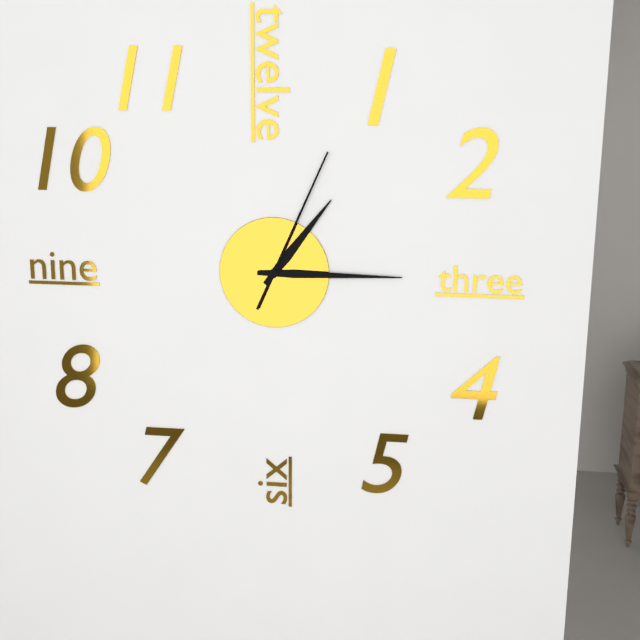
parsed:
1:15:04
